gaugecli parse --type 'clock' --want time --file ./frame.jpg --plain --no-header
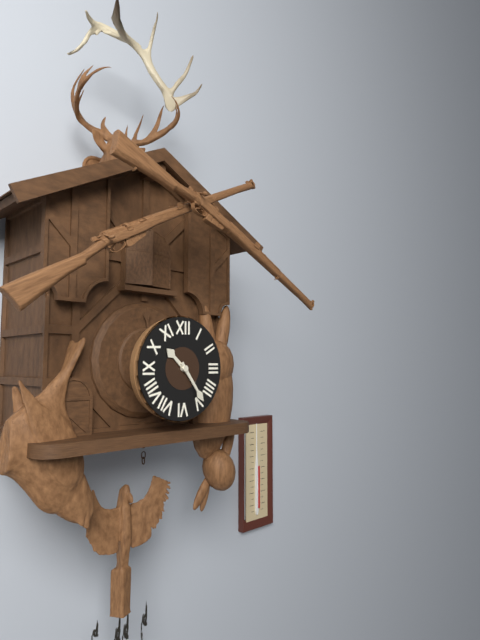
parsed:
10:24
